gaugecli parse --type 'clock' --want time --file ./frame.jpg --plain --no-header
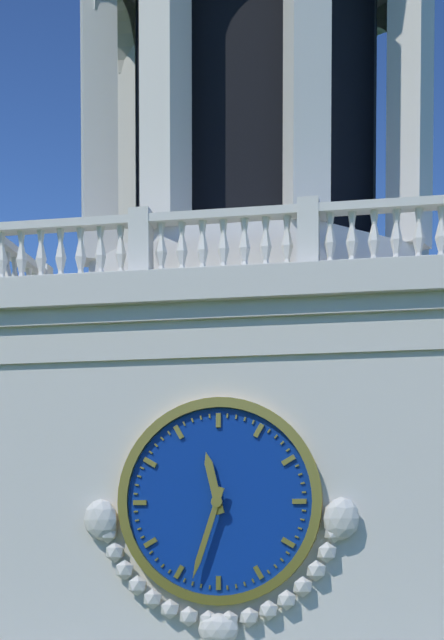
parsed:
11:33
